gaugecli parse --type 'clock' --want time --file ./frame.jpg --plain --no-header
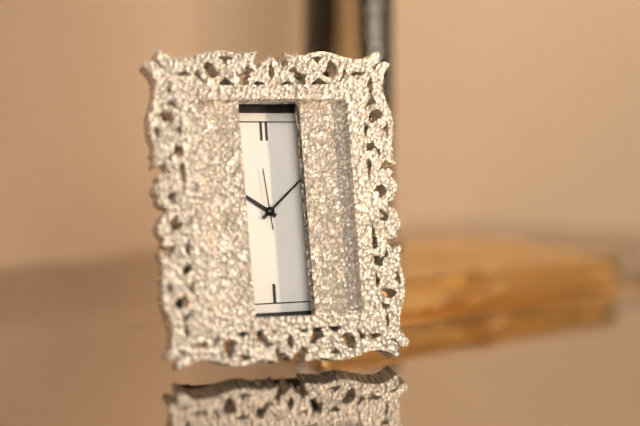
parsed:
10:08:59
